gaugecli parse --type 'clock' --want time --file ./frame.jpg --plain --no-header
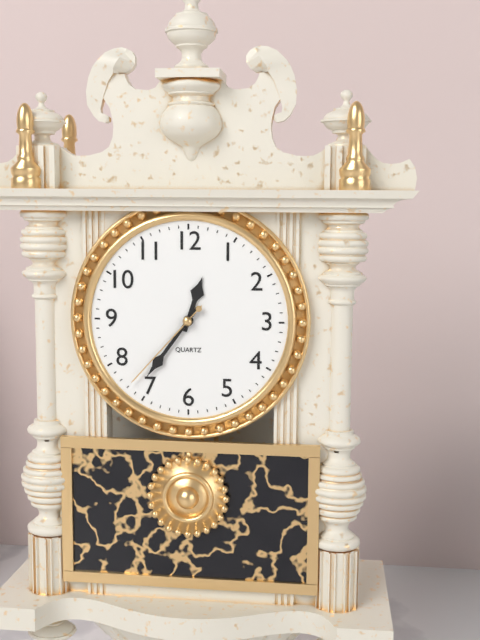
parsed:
12:36:37
